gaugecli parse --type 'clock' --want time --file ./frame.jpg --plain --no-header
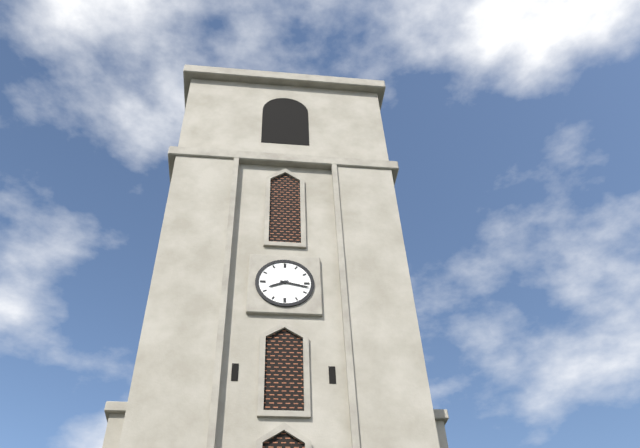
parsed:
8:17
